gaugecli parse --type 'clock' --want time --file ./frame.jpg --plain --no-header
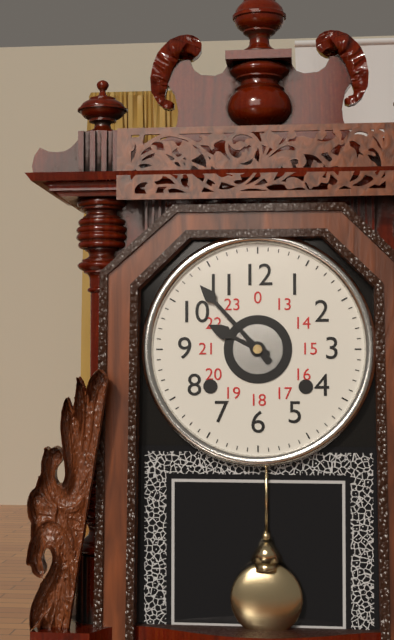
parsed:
9:53
